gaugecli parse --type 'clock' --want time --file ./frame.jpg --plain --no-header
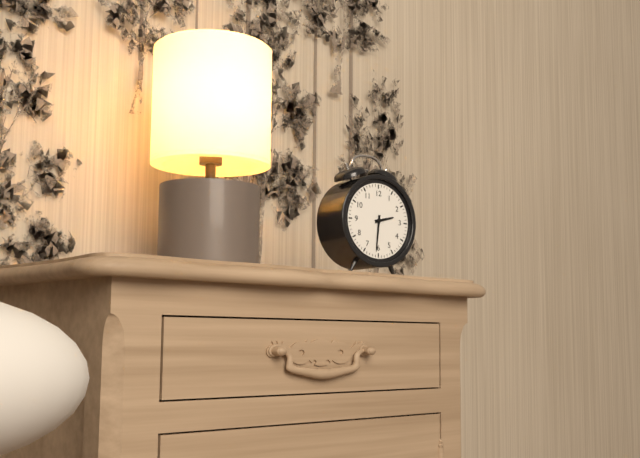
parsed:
2:31
